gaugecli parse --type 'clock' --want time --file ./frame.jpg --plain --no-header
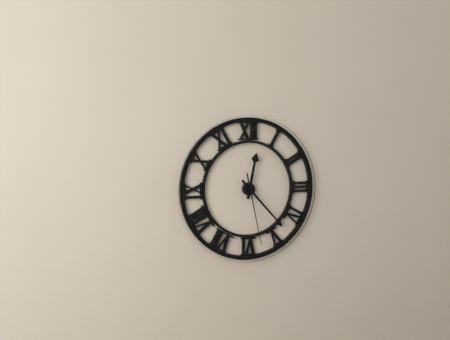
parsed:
12:23:28
